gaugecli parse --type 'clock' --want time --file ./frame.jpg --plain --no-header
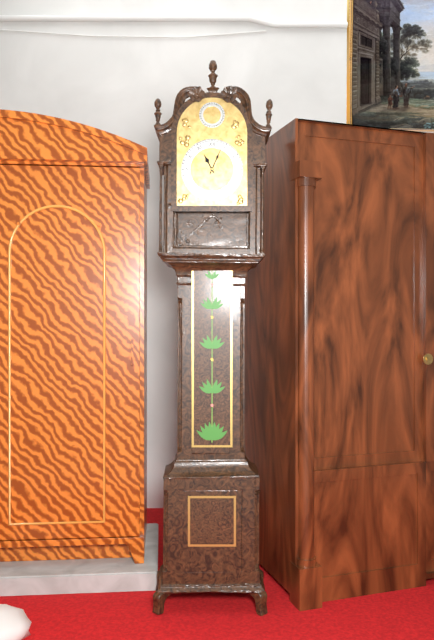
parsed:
11:04
